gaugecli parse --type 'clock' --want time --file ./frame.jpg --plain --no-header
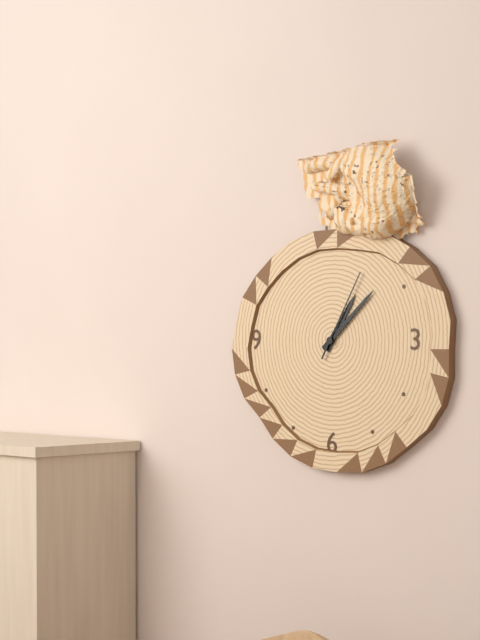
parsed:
1:08:05
